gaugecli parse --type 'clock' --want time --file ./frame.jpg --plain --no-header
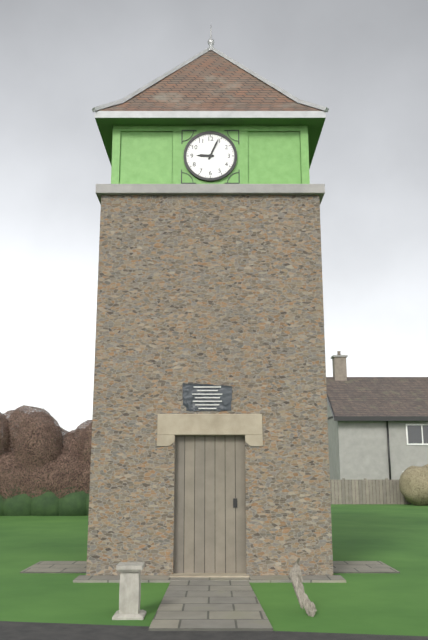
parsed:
9:04
